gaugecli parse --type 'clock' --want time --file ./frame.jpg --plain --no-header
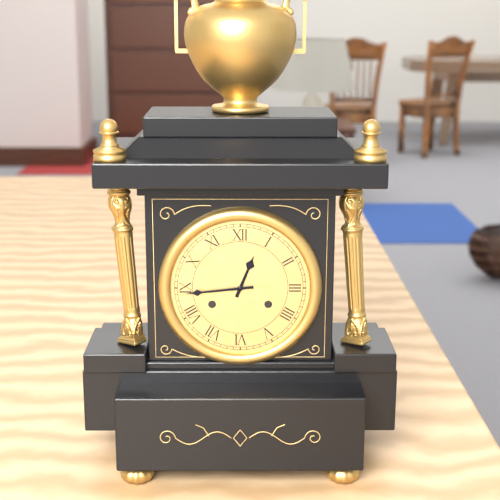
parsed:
12:44
